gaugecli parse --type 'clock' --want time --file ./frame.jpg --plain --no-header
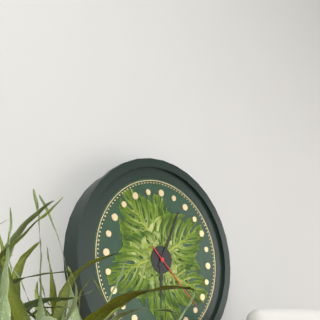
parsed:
6:04:22
